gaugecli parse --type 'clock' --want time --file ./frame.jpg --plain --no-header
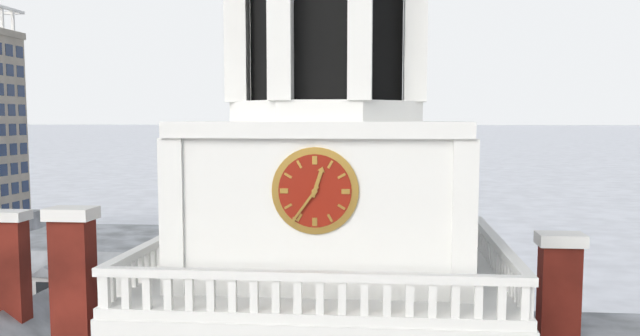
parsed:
12:36
